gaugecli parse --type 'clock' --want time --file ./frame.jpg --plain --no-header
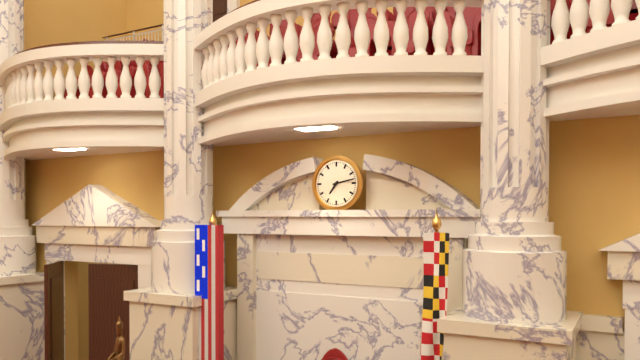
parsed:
7:13
